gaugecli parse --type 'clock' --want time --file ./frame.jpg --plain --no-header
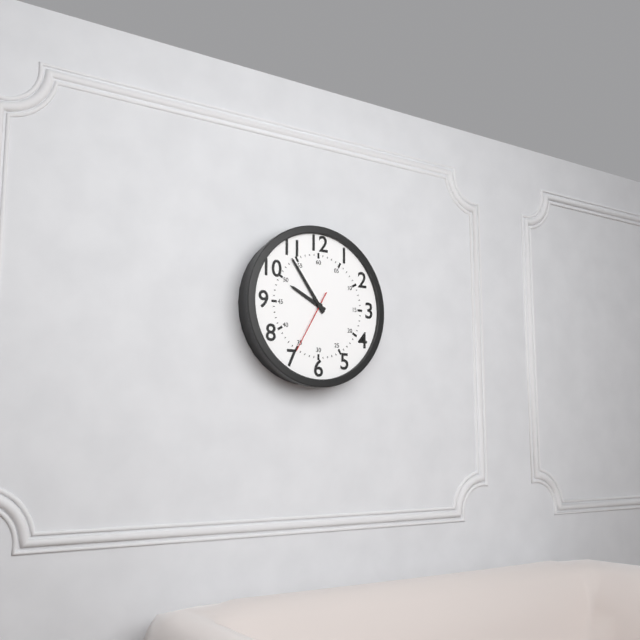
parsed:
9:54:35
